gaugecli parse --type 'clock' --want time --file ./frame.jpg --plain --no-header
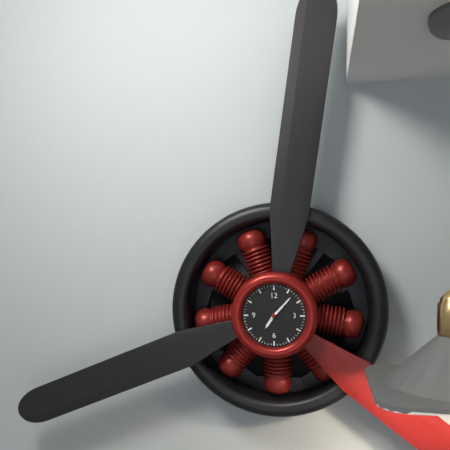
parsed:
7:07
